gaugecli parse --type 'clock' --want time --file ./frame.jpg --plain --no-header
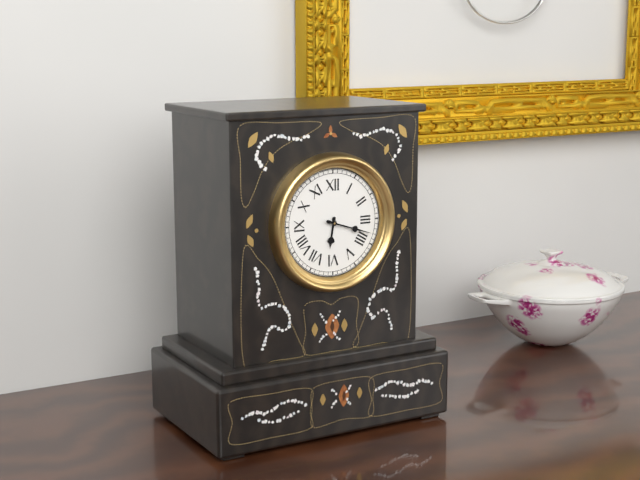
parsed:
6:18
